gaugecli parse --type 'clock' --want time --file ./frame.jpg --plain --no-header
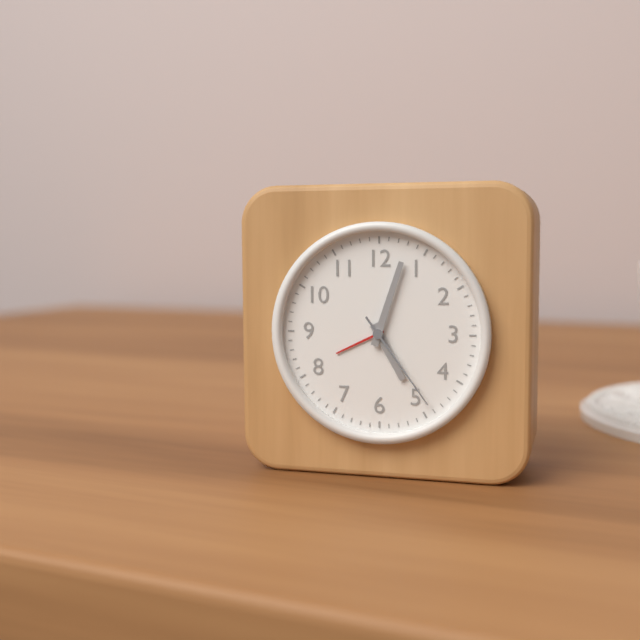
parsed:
5:03:24
